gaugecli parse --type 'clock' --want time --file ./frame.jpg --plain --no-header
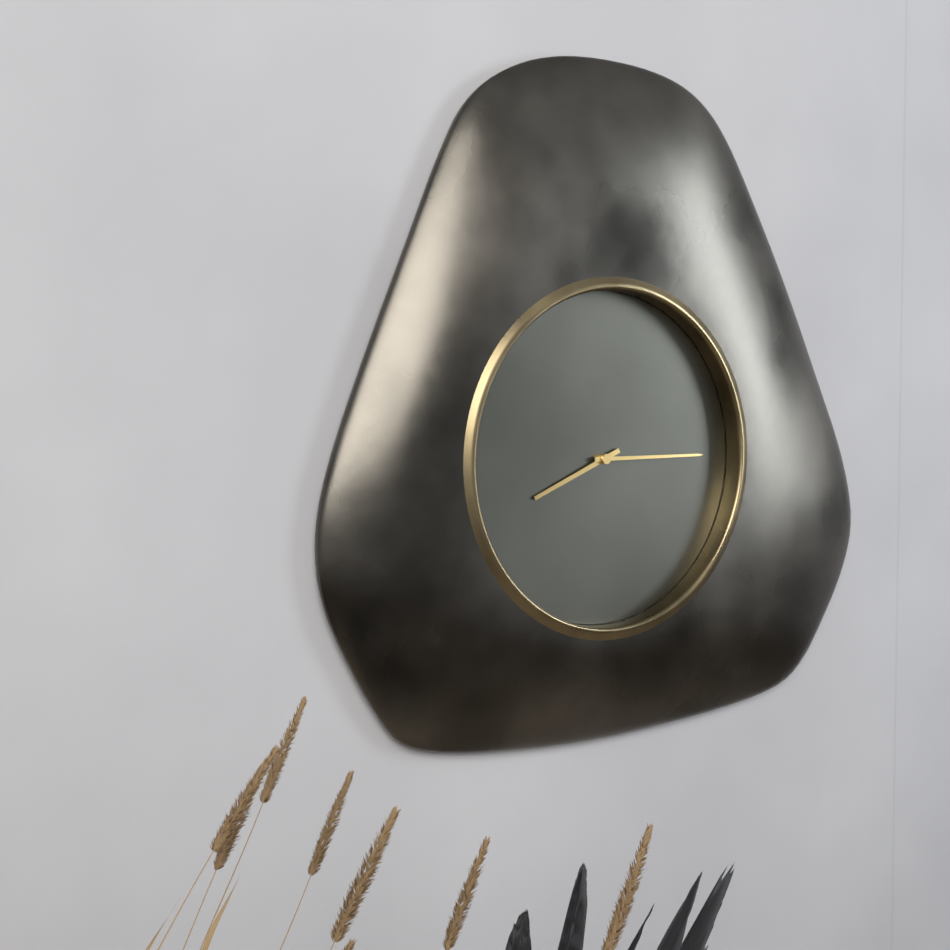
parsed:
8:15
